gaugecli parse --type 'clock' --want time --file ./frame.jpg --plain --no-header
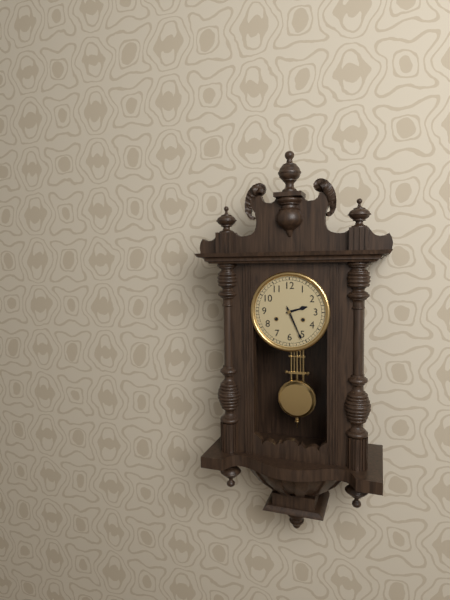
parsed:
2:26
